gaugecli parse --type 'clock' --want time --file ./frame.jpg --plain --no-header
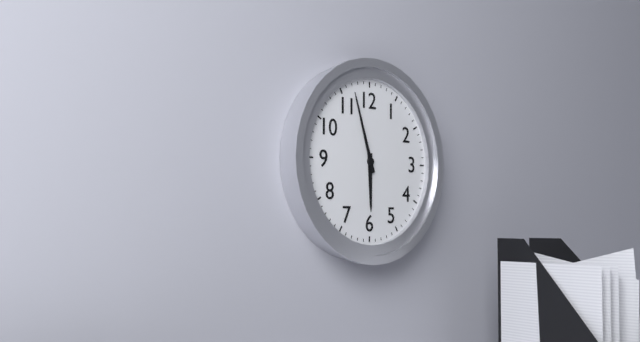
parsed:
5:57
